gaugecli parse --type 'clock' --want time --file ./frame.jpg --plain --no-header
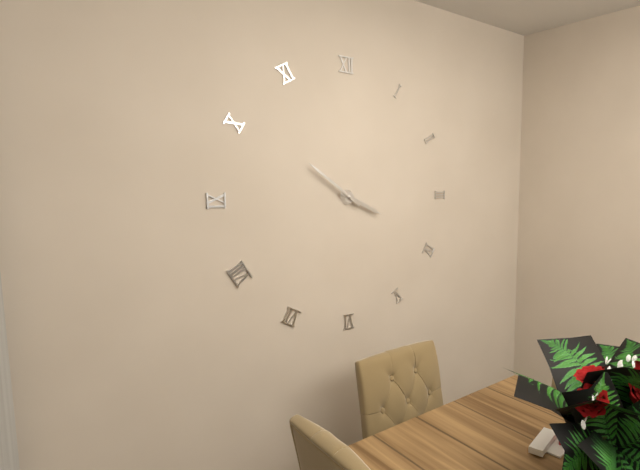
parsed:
3:51
